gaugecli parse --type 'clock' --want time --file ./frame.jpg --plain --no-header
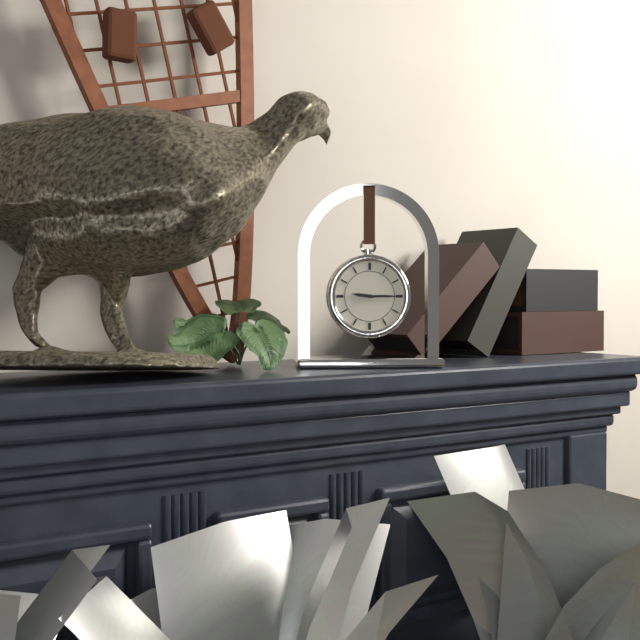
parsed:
9:15
